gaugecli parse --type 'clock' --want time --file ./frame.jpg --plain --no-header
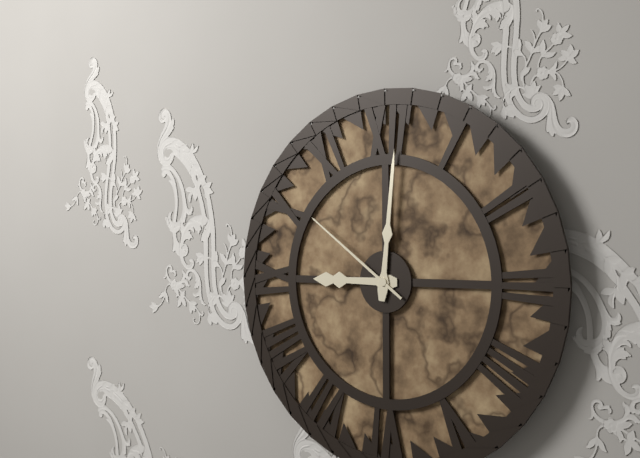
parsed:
9:01:51
